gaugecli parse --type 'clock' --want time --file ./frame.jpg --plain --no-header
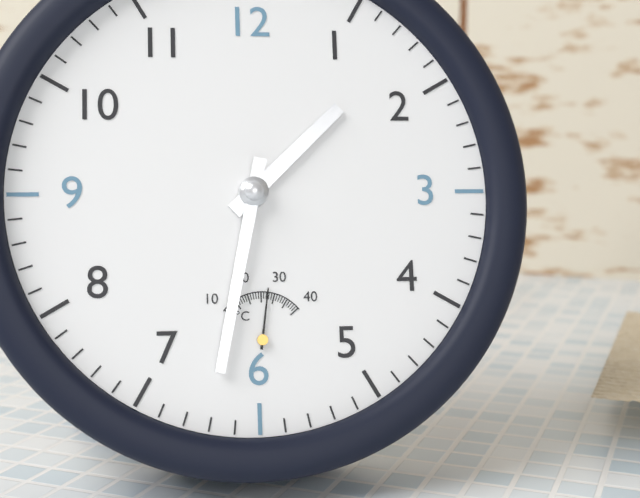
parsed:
1:32
